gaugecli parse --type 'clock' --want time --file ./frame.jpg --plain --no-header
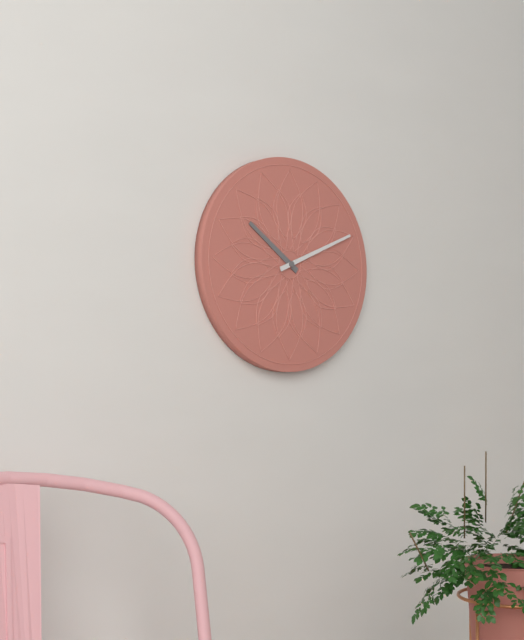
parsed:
10:11
